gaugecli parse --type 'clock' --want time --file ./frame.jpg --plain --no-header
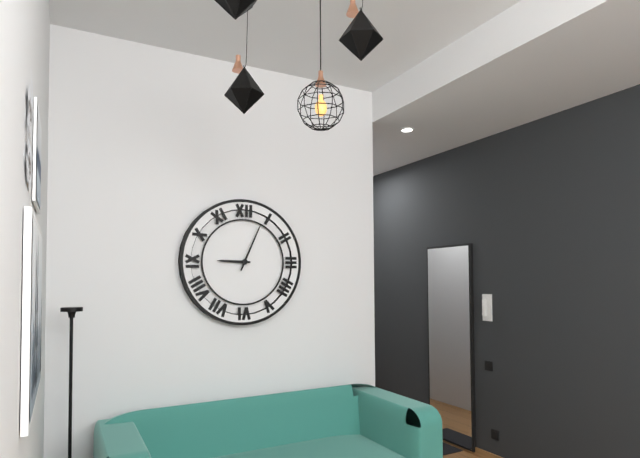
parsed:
9:04
